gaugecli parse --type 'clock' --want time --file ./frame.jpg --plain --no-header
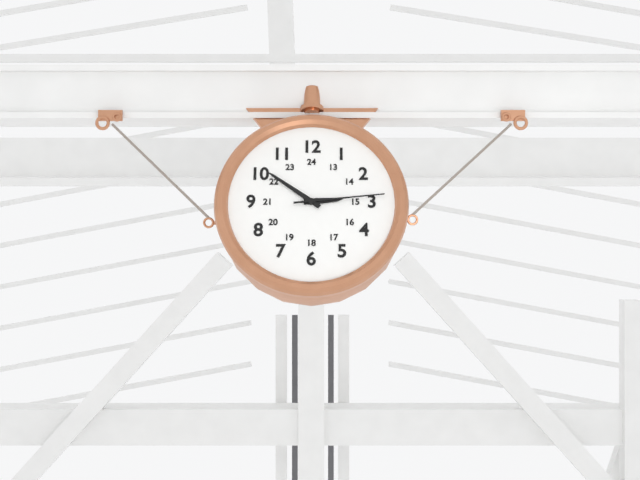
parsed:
2:51:14
